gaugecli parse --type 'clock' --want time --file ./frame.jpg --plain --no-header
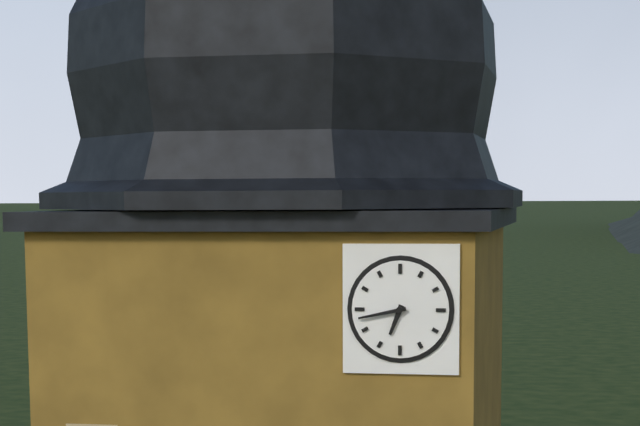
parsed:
6:43
